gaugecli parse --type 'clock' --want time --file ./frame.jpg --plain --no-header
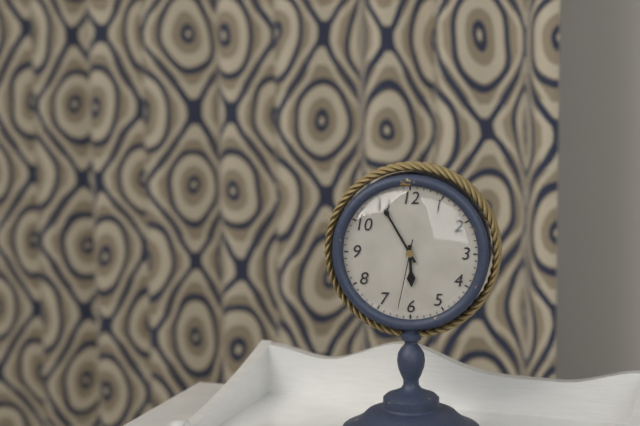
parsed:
5:55:32
